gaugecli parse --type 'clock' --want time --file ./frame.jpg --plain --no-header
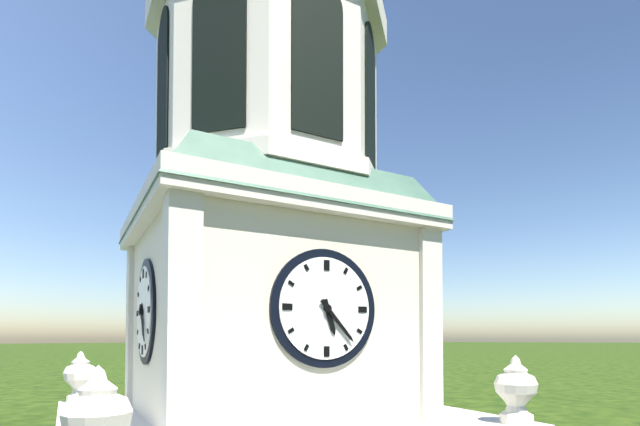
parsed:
5:23
